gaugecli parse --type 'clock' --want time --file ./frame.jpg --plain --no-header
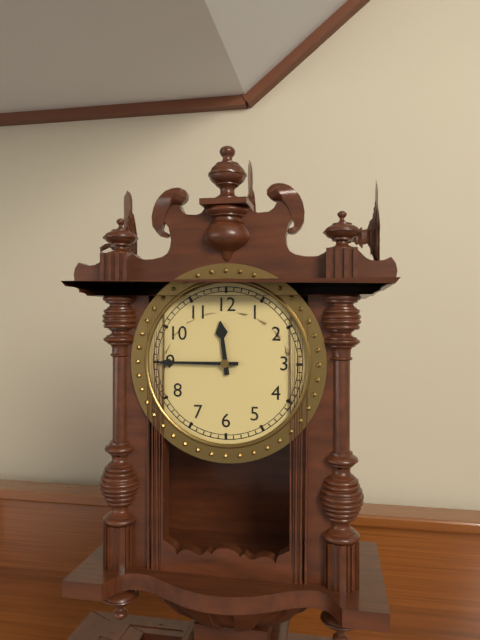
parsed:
11:45
